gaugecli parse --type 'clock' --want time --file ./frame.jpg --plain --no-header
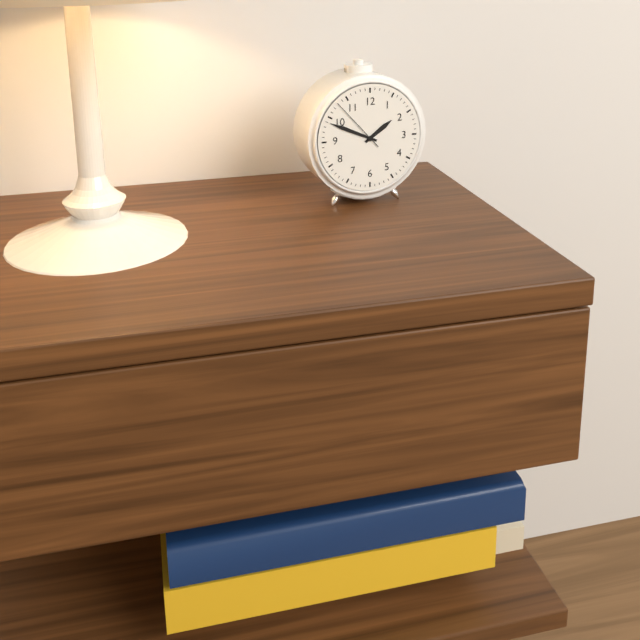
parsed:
1:49:53
